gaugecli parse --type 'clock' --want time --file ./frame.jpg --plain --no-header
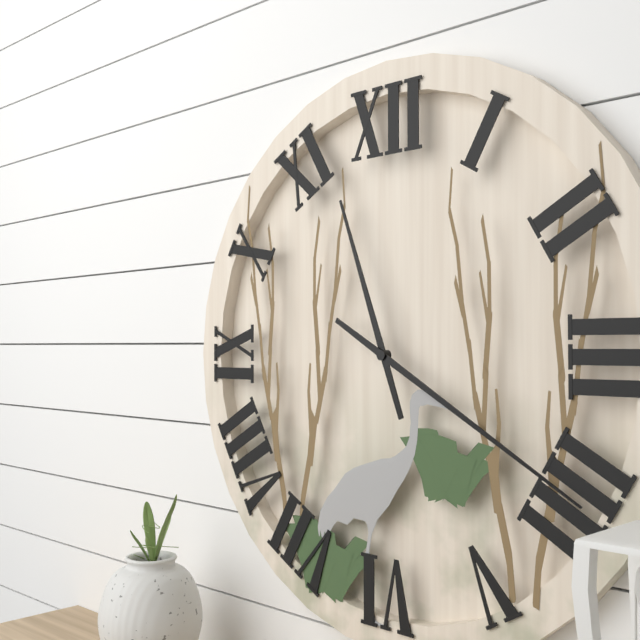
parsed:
11:20
